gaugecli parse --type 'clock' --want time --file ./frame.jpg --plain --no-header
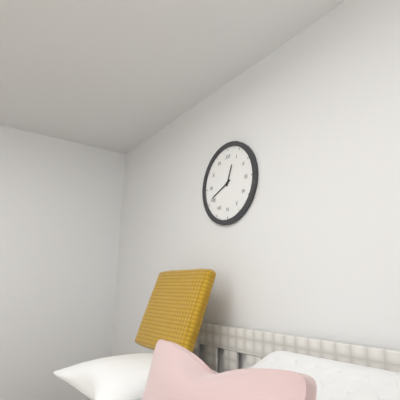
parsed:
12:41
